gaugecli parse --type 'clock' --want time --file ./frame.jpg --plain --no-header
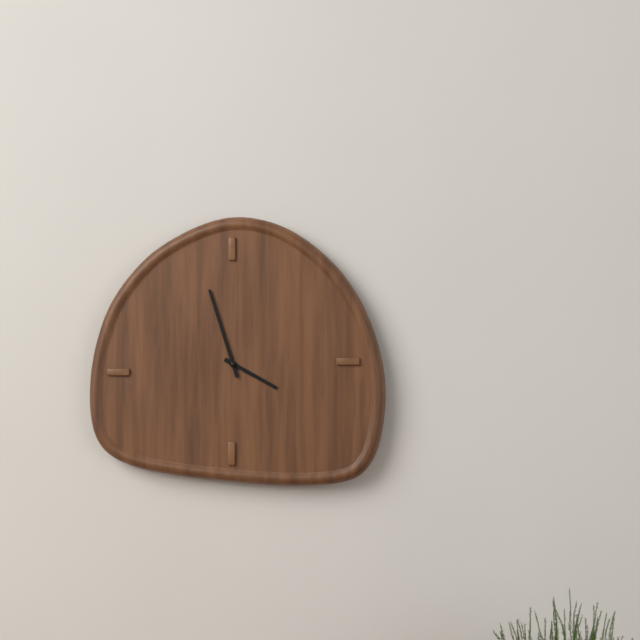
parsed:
3:57
